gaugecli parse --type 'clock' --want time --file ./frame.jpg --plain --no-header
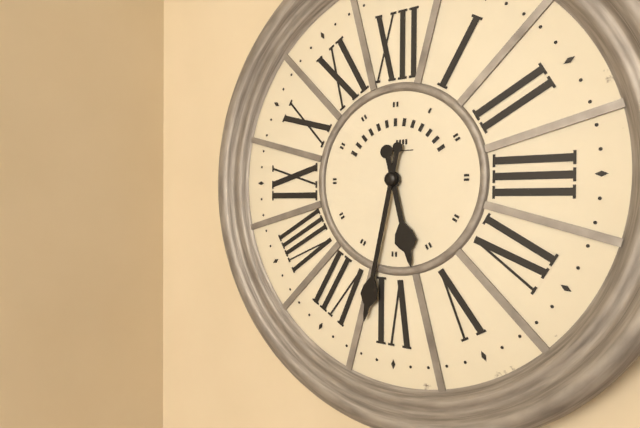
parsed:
5:32
